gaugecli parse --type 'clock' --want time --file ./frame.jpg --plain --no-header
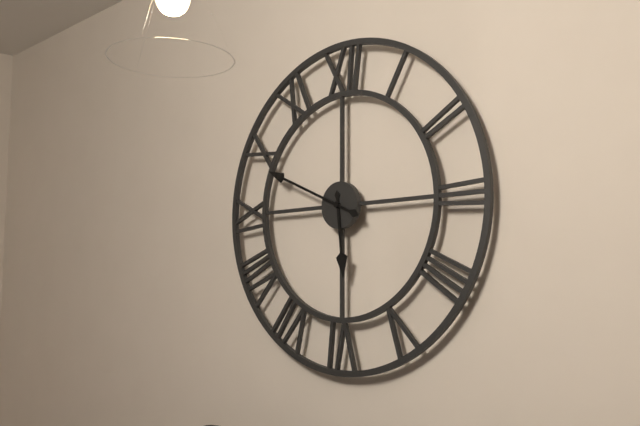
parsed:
5:49
